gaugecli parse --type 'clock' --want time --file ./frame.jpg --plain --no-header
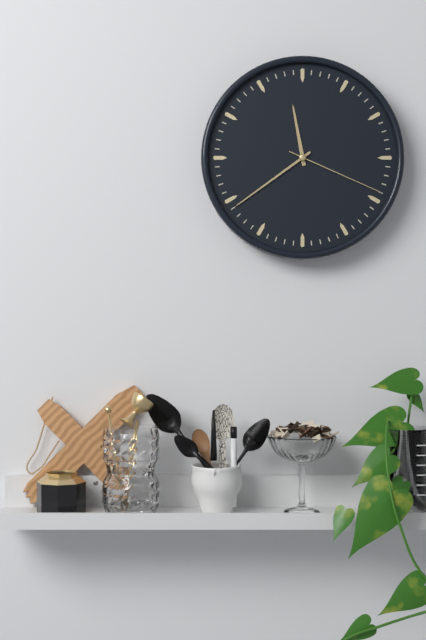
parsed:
11:39:19
